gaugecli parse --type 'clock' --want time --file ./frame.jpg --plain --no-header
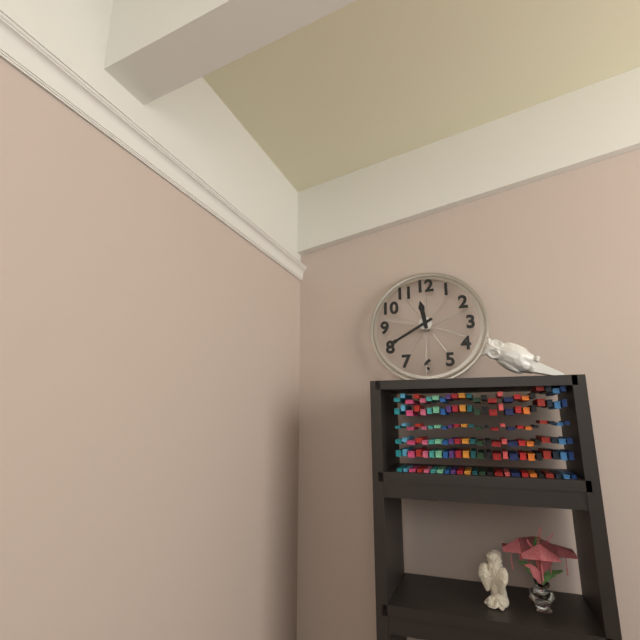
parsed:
11:40
